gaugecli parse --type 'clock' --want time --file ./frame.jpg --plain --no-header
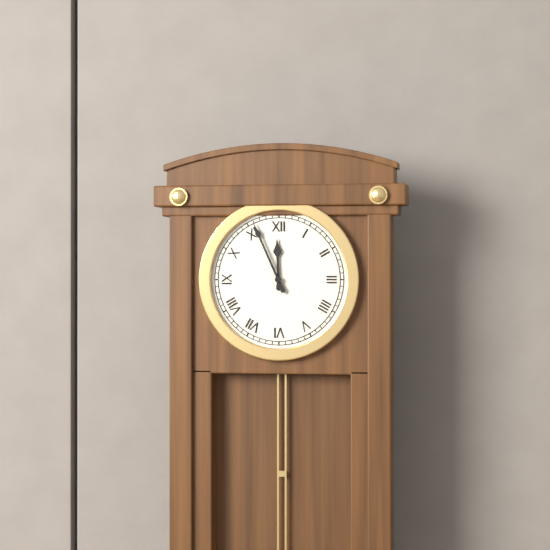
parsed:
11:56
